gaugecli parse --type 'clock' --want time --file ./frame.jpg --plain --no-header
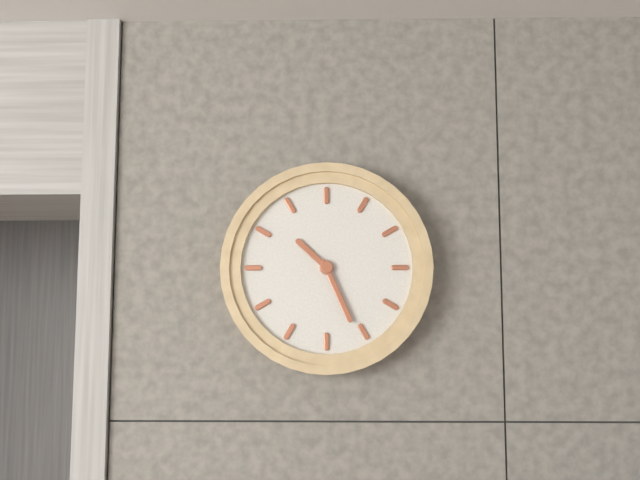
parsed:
10:26
